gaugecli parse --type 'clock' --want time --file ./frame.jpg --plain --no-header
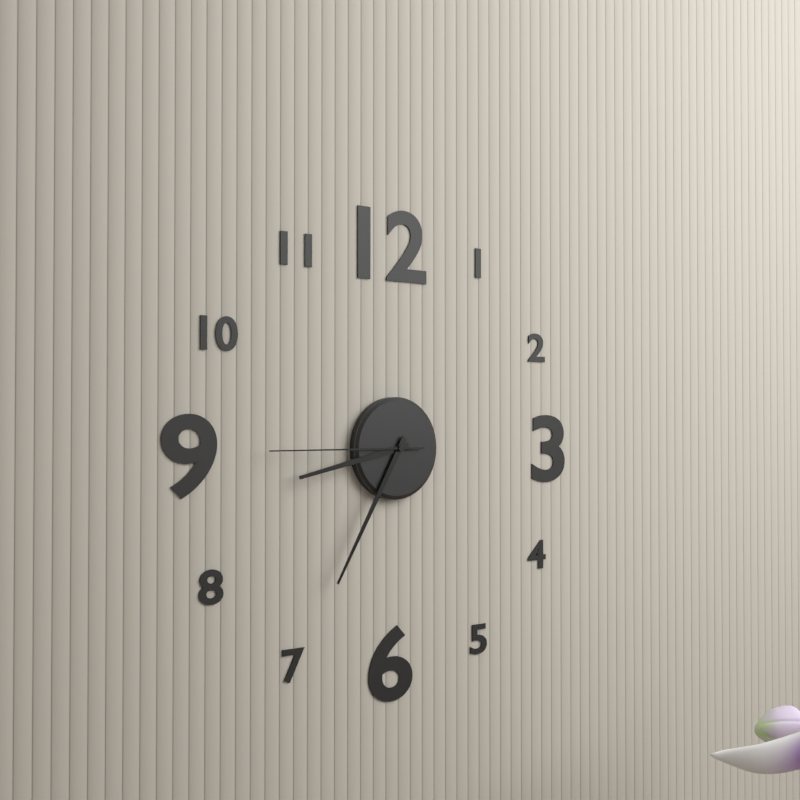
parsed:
8:35:45
